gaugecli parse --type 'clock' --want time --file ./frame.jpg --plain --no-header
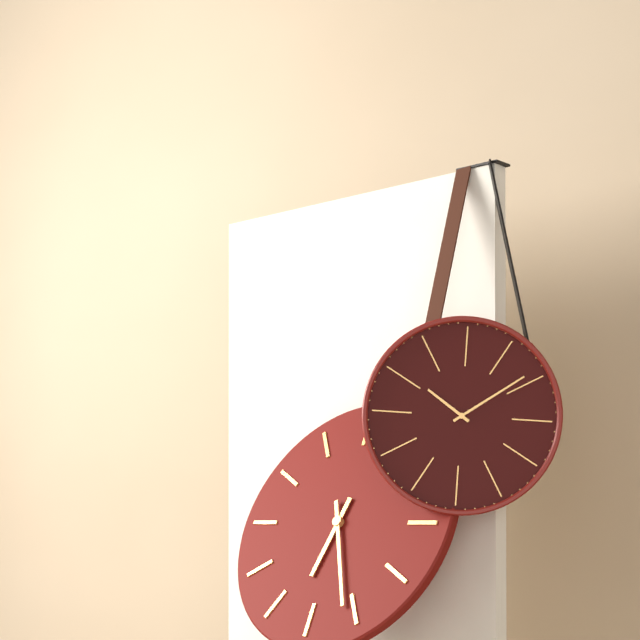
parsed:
6:26
